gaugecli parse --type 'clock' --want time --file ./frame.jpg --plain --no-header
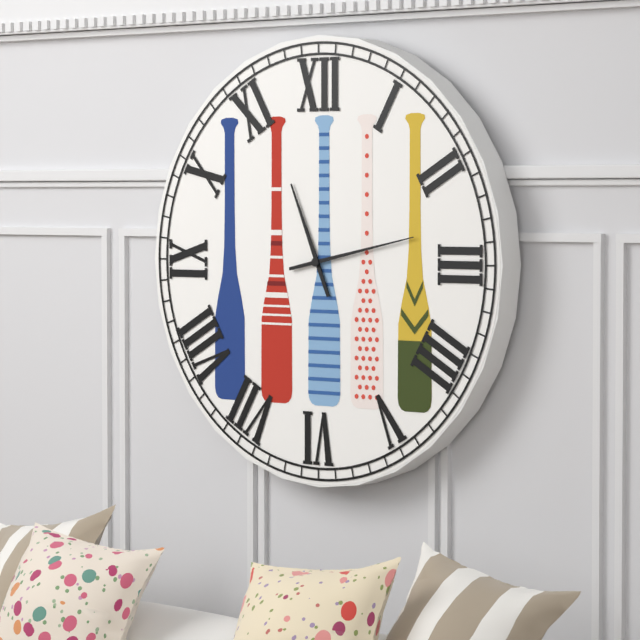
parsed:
11:13
